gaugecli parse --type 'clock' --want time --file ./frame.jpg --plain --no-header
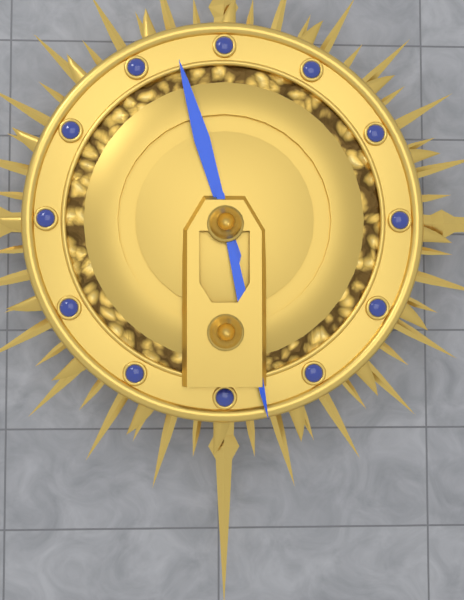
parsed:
11:28
